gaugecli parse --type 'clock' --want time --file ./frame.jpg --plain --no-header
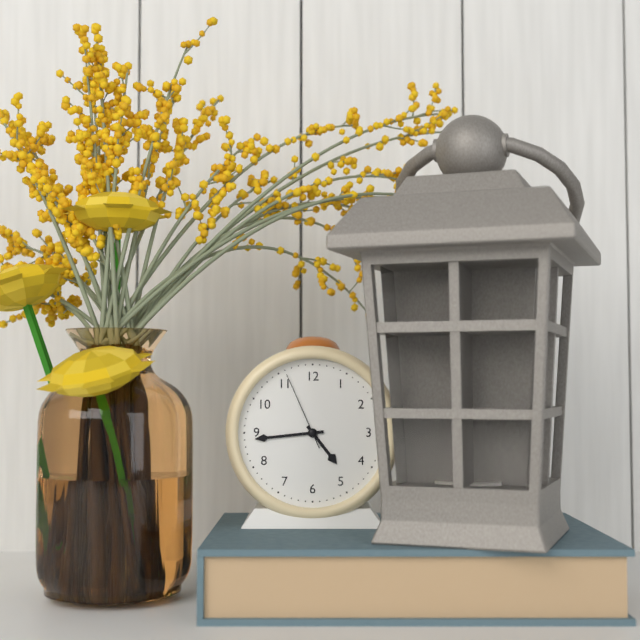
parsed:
4:44:56
